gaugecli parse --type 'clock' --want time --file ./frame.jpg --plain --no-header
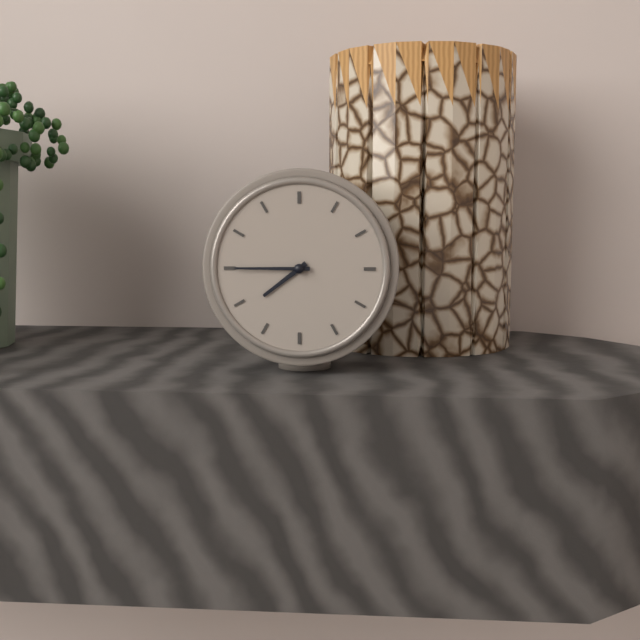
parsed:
7:45
